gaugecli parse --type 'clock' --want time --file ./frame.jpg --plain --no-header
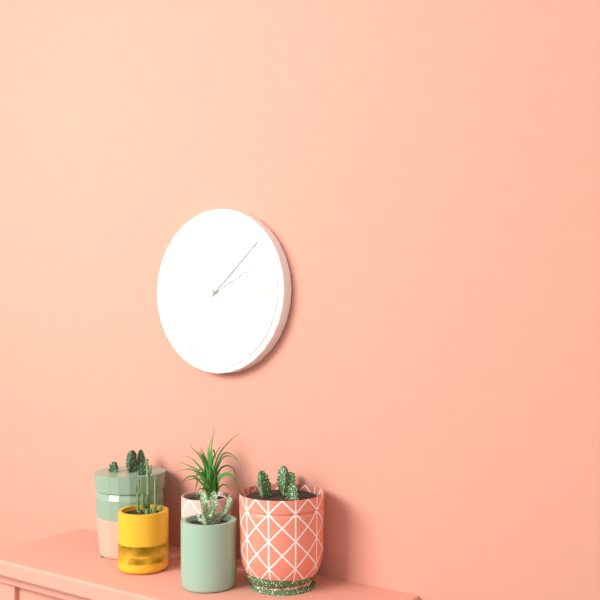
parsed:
2:08
